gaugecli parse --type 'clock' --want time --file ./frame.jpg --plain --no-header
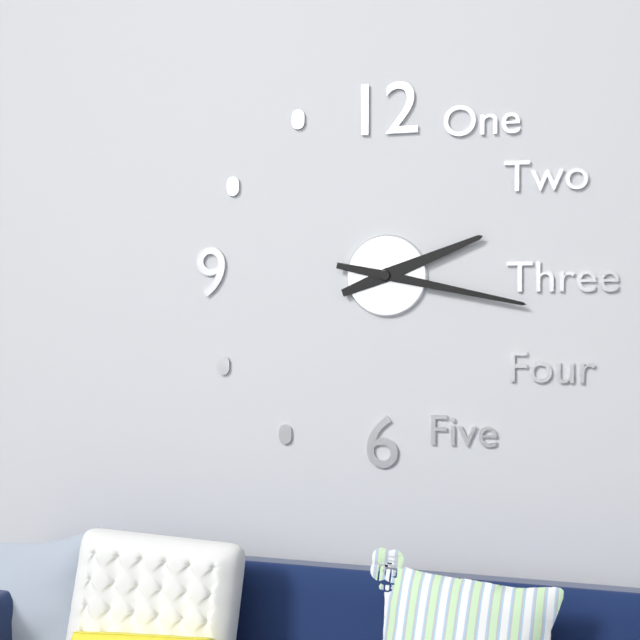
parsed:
2:17
